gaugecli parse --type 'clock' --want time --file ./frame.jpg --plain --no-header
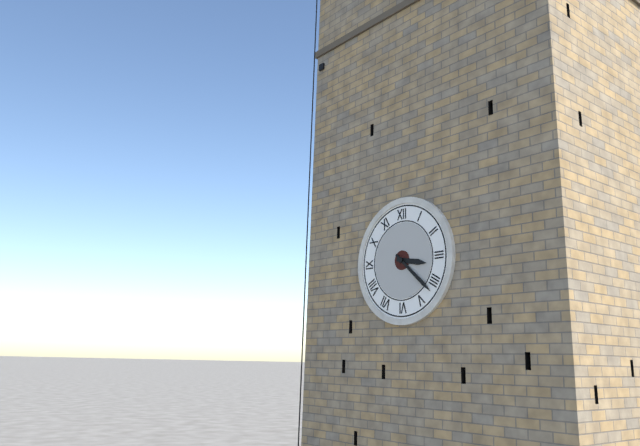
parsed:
3:22
